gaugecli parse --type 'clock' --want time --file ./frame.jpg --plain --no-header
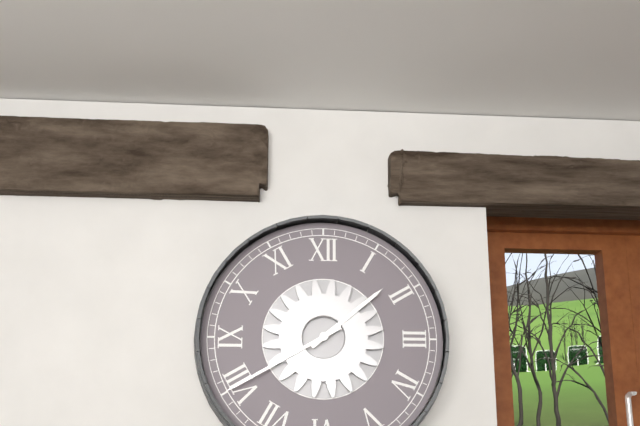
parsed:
1:40
